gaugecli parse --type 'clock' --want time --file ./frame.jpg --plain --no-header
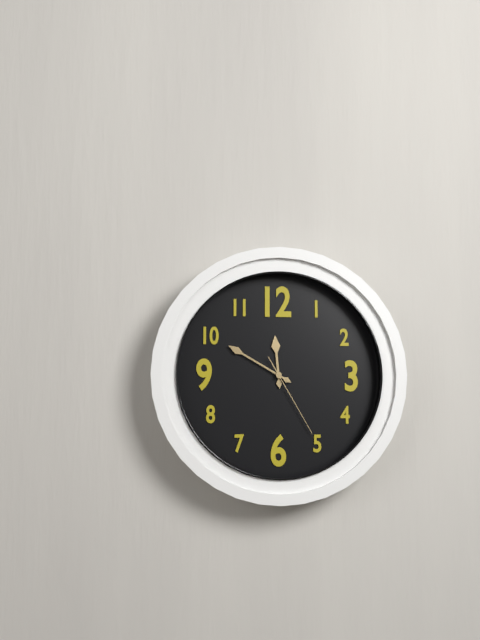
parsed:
11:50:25
